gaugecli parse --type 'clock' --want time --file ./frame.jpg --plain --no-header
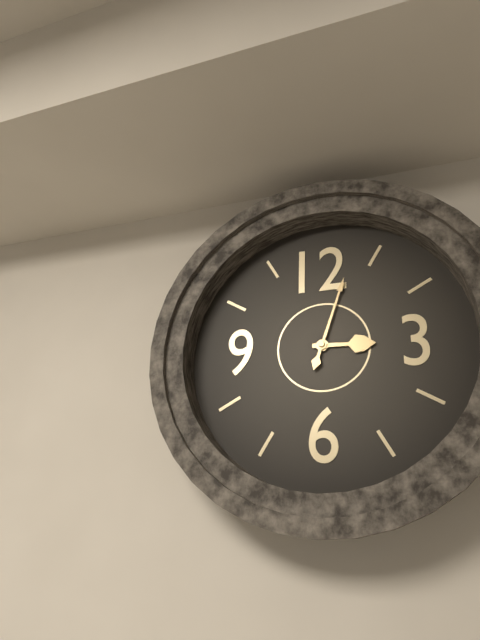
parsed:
3:03
